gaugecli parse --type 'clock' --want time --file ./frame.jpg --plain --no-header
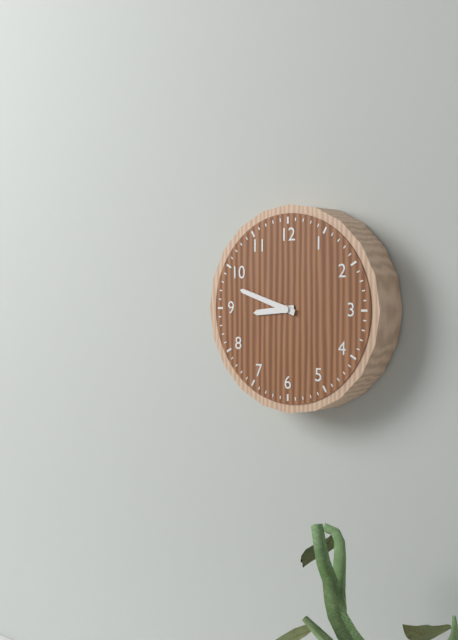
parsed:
8:48
